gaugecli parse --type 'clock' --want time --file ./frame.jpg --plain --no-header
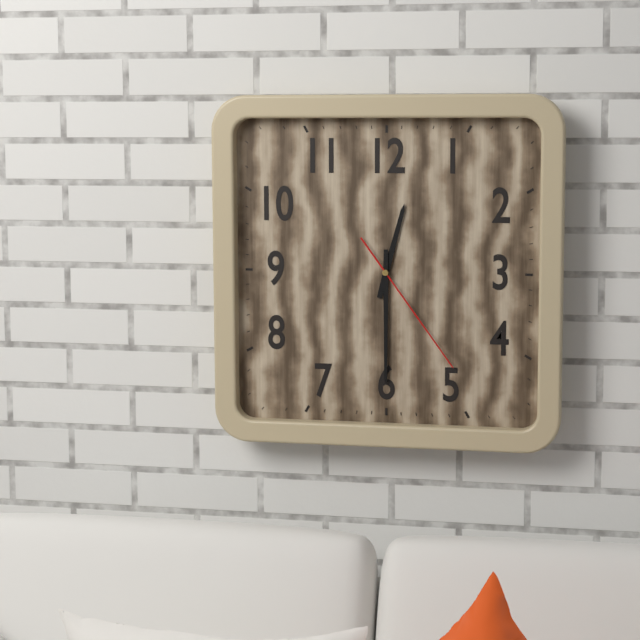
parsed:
12:30:24
